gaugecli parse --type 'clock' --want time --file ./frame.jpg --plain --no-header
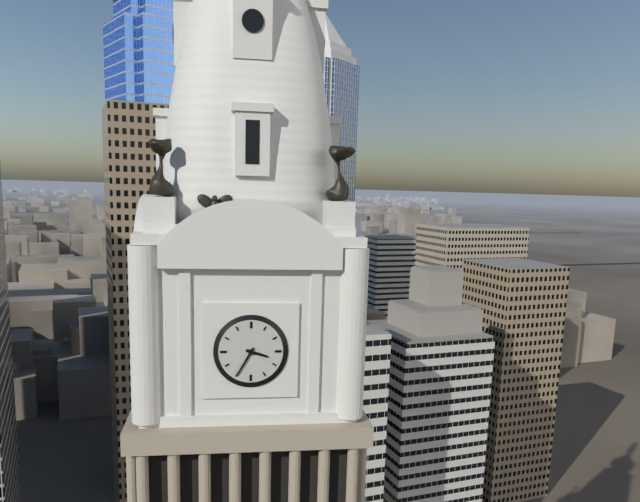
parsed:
3:35
